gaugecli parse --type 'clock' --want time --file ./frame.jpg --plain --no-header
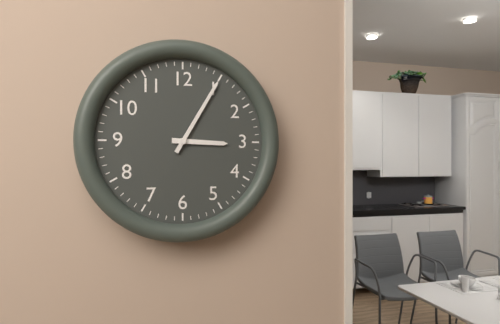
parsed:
3:05
